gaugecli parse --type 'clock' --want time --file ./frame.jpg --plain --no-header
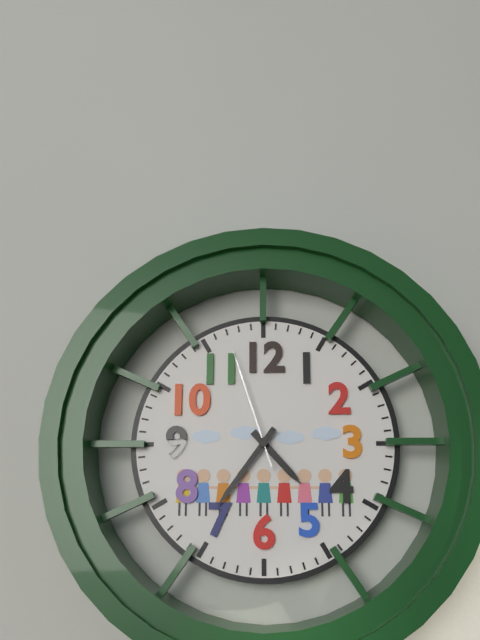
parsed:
4:36:57
